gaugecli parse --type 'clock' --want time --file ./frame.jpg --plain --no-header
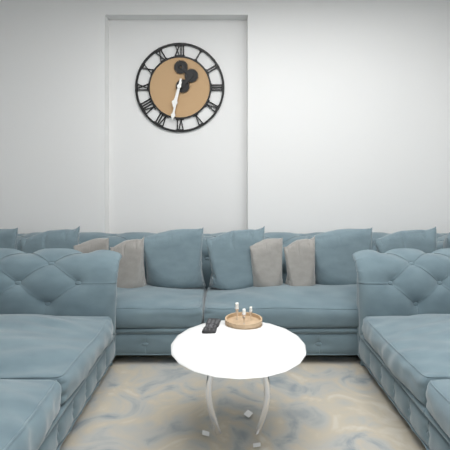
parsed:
6:32
